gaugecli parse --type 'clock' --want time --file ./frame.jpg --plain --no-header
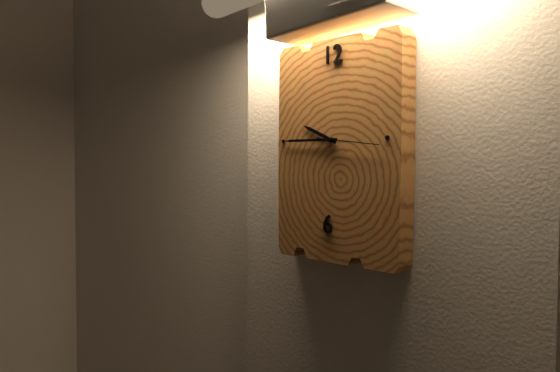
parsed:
9:45
